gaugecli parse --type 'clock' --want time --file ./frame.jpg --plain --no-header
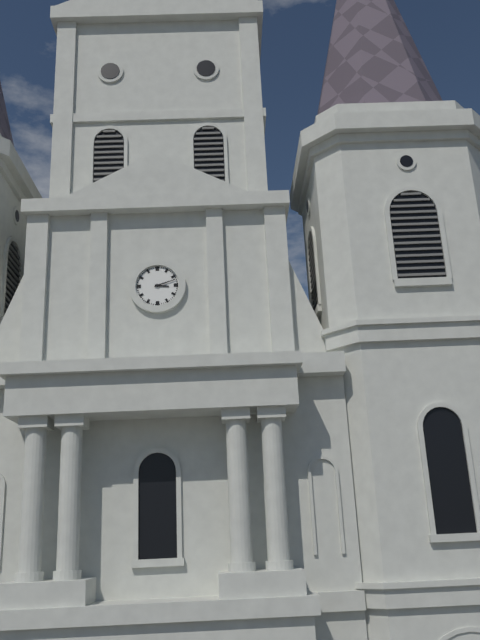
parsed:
3:12
